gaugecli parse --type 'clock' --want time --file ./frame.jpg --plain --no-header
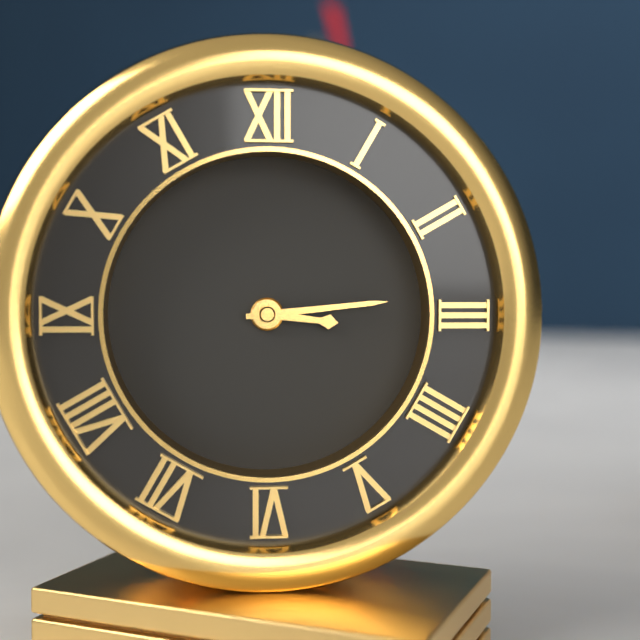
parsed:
3:14
